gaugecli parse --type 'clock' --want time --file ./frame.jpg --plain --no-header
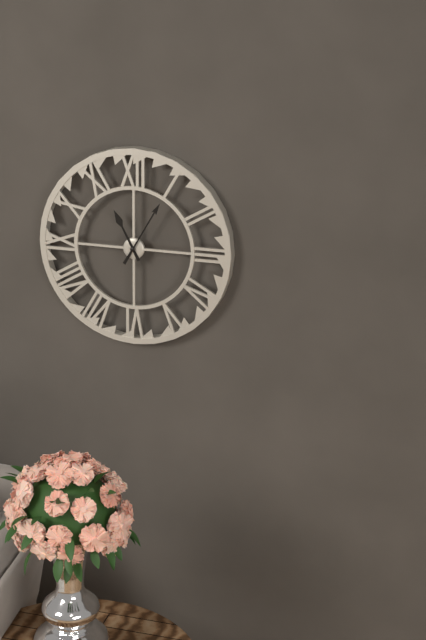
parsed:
11:05
